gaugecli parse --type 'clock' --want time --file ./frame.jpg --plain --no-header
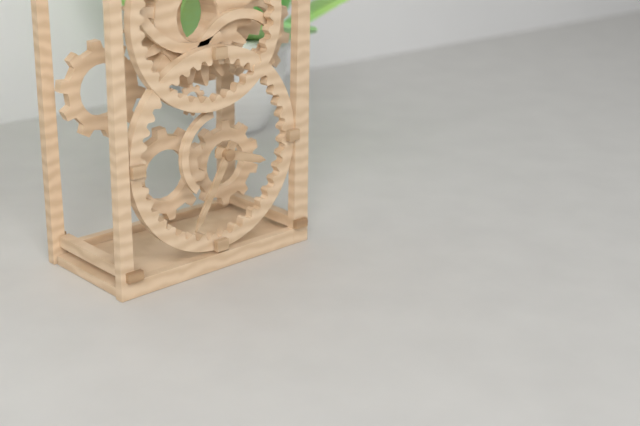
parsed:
3:35
